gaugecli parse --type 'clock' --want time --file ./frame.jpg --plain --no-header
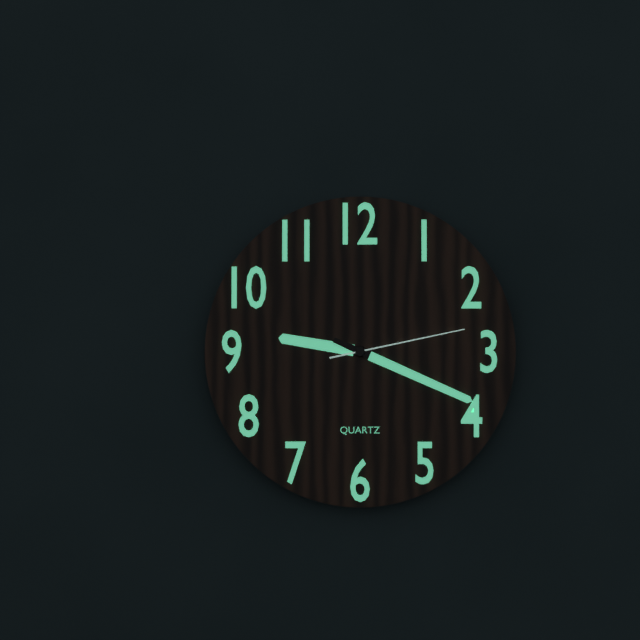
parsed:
9:19:13
